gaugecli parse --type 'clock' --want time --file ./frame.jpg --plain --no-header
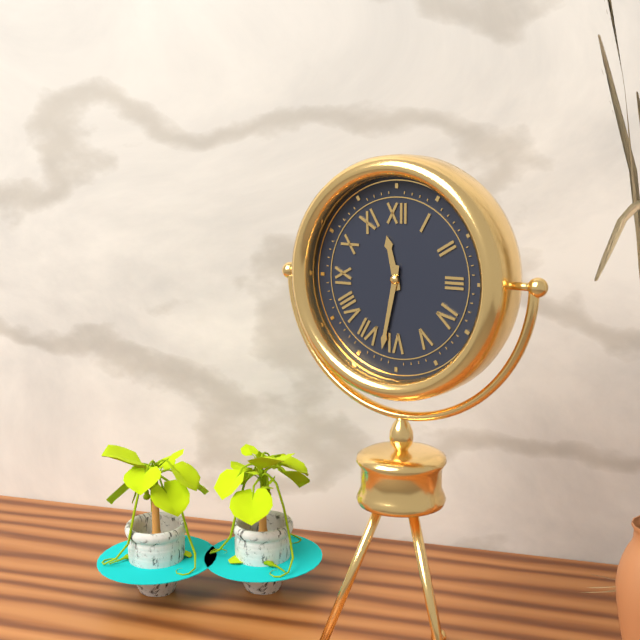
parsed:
11:32
